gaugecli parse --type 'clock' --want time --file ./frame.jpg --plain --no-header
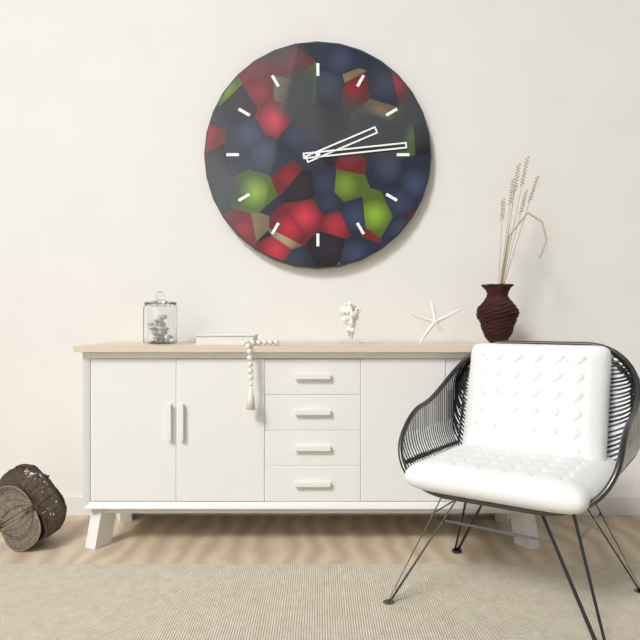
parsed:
2:14
